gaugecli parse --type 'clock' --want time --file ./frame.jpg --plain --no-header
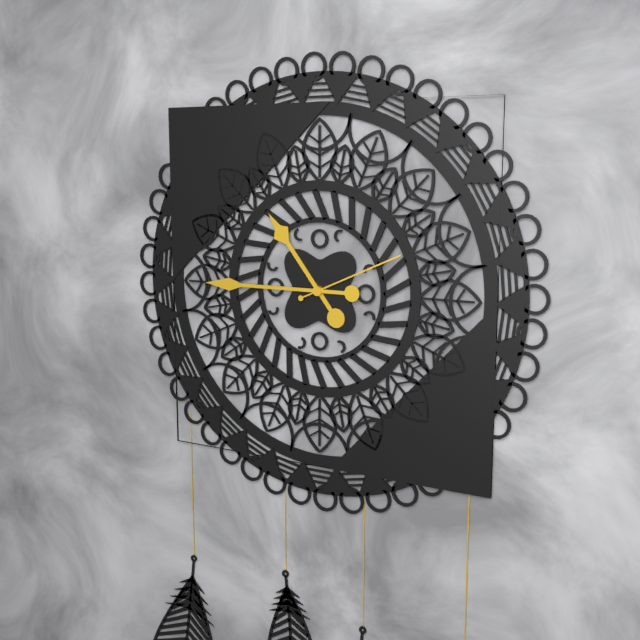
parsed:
10:45:11
